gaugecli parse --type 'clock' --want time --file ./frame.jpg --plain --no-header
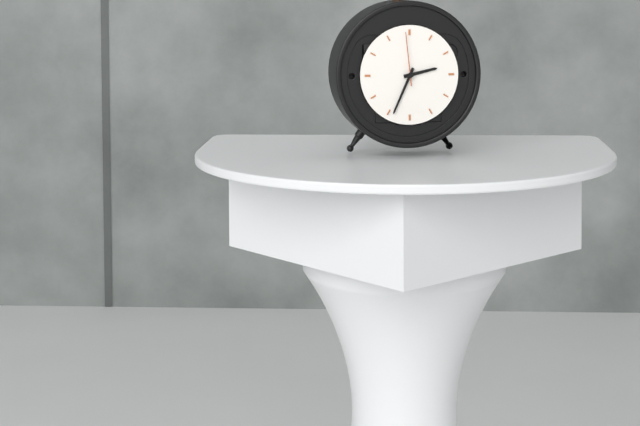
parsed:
2:34:59
